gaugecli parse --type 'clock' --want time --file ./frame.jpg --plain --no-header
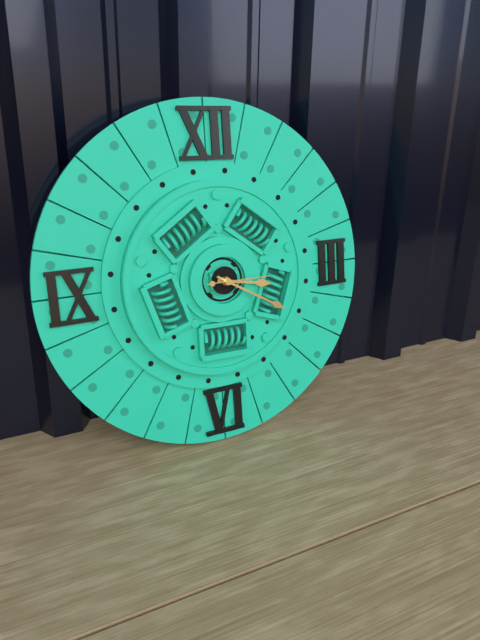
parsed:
3:20:15
